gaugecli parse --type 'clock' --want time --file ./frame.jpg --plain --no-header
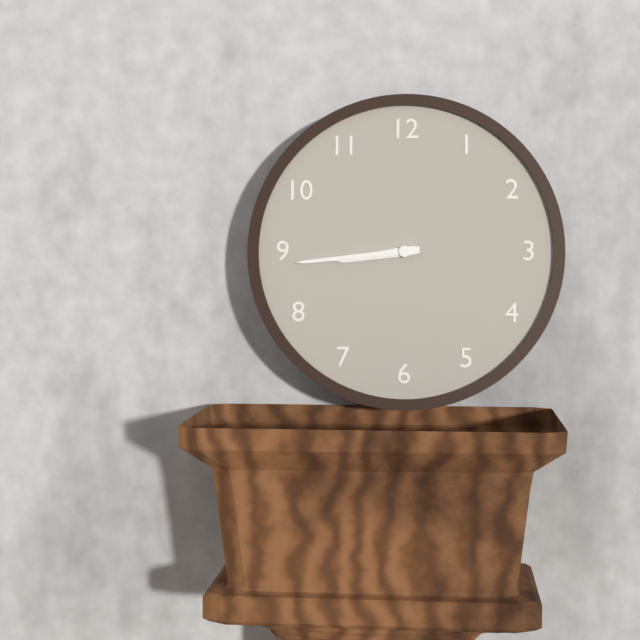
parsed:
8:44
